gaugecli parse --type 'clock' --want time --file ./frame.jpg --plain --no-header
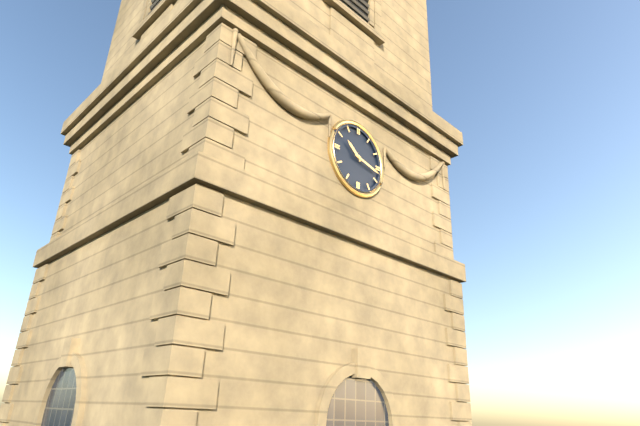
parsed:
10:17
